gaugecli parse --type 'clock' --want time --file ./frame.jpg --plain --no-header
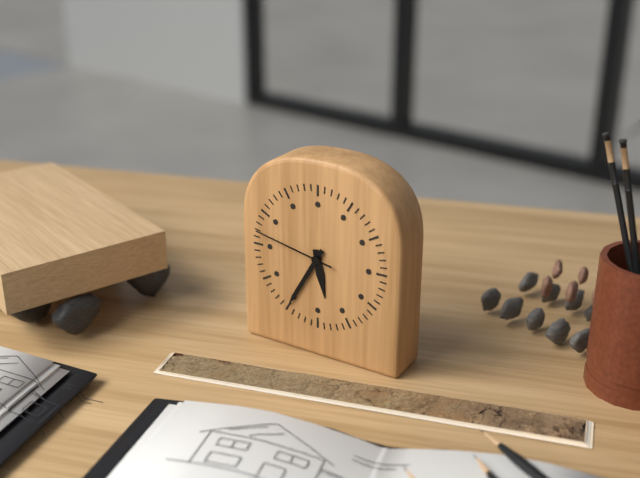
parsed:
5:35:47
